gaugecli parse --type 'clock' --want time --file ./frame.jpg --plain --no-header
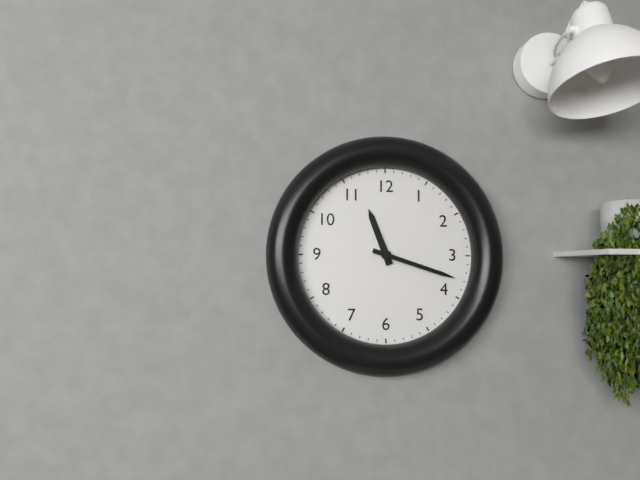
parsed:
11:18
